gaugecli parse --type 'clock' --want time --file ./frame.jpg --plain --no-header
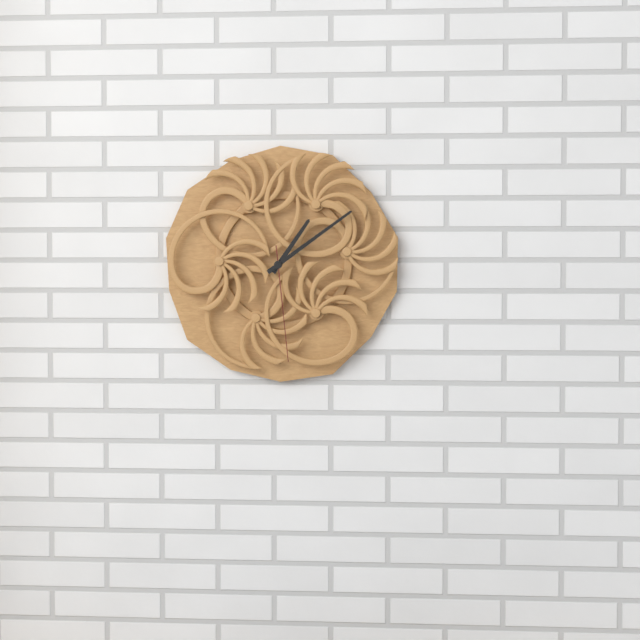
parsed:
1:09:29
